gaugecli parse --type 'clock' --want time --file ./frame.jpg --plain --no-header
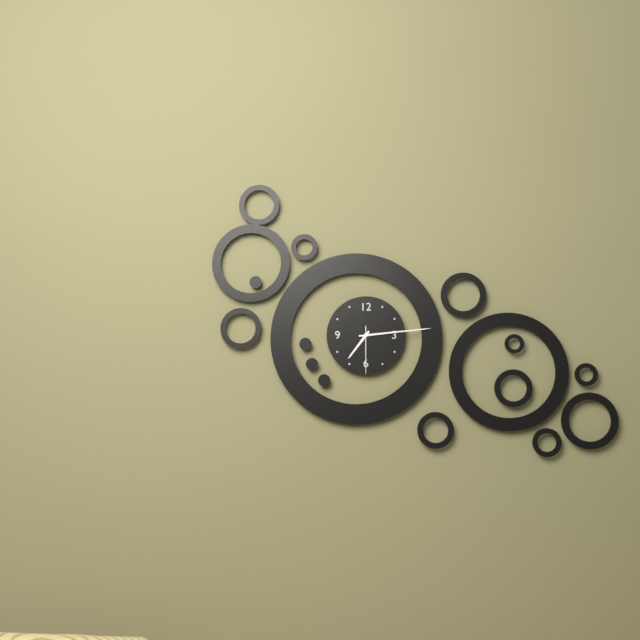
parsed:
7:14:30
